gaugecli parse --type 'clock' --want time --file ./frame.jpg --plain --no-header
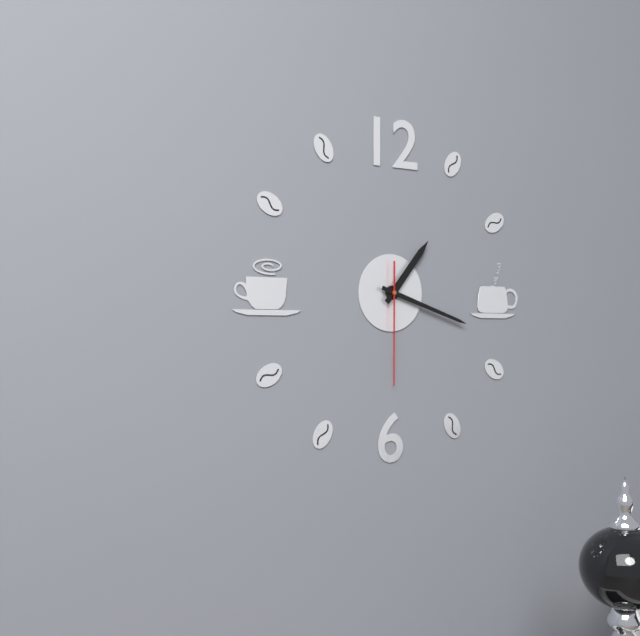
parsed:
1:18:30
